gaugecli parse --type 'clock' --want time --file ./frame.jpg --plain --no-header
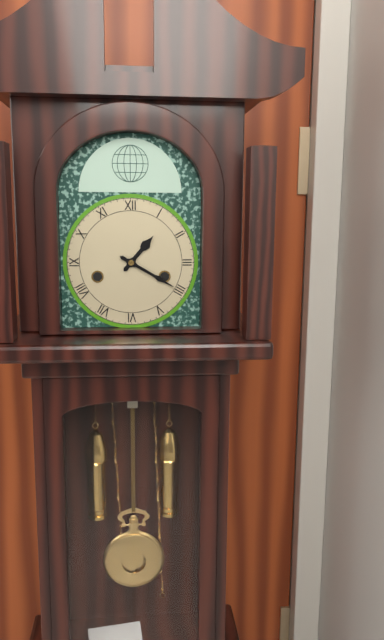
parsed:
1:20
